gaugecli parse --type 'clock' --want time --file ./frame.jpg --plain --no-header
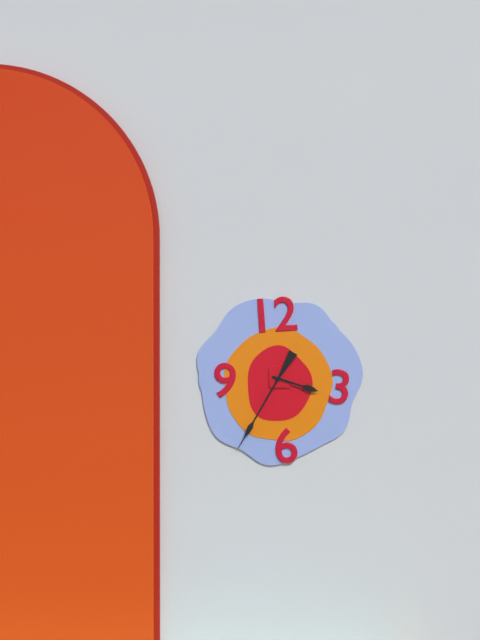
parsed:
3:35
